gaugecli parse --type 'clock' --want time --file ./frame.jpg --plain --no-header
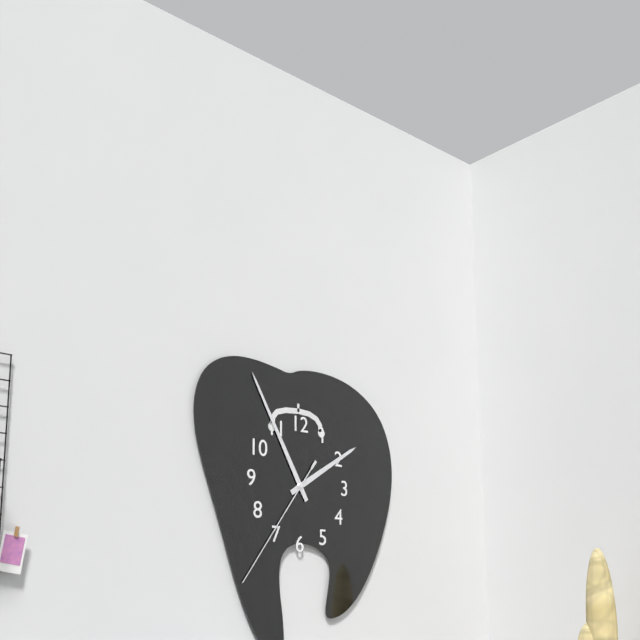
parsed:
1:55:36
